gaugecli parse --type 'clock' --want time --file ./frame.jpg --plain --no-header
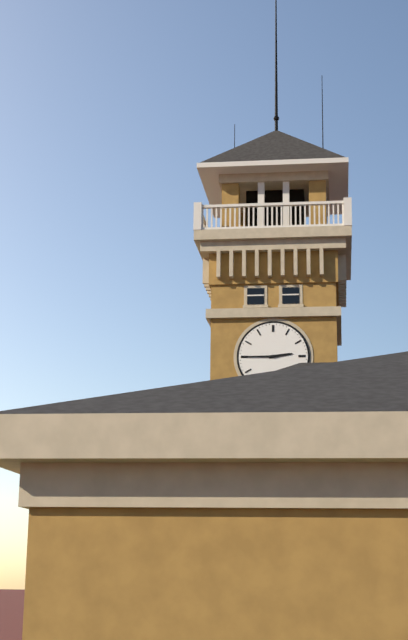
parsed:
2:45
